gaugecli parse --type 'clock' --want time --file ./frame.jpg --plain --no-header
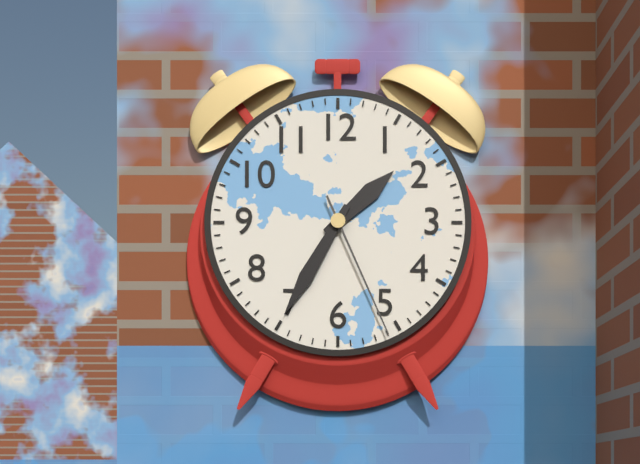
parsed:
1:35:26
